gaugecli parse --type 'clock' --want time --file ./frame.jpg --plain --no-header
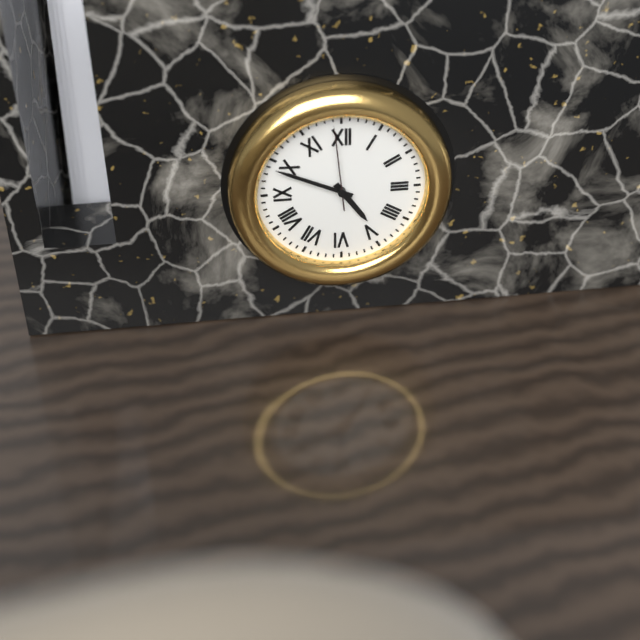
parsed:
4:49:59
